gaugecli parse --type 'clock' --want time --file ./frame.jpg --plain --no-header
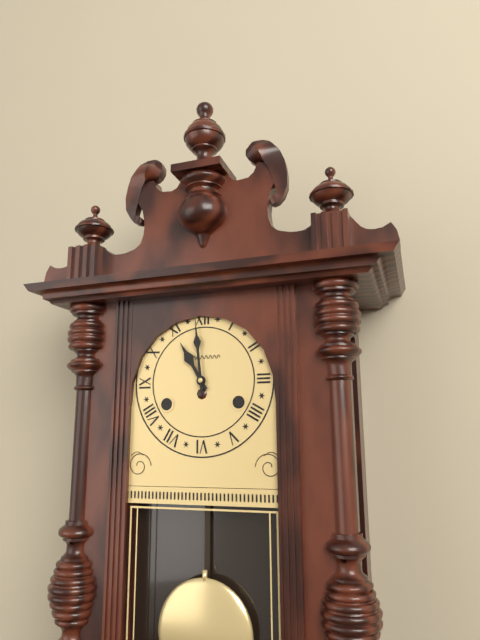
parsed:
10:59
